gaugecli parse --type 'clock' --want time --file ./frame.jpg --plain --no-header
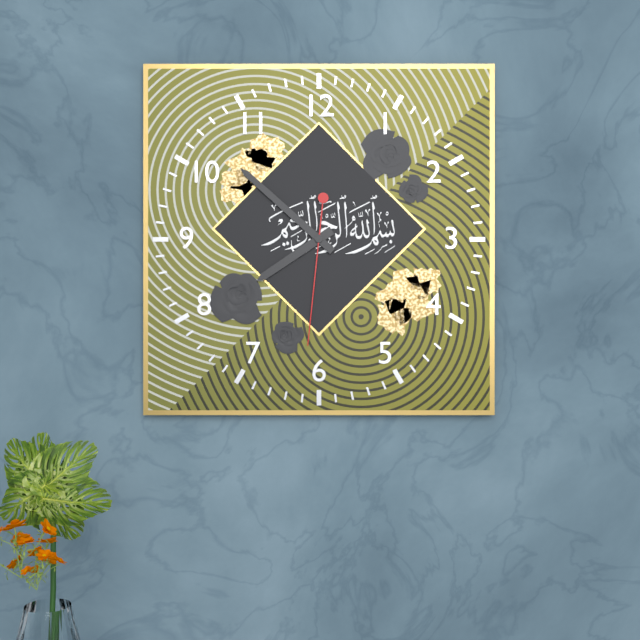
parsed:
7:52:31
